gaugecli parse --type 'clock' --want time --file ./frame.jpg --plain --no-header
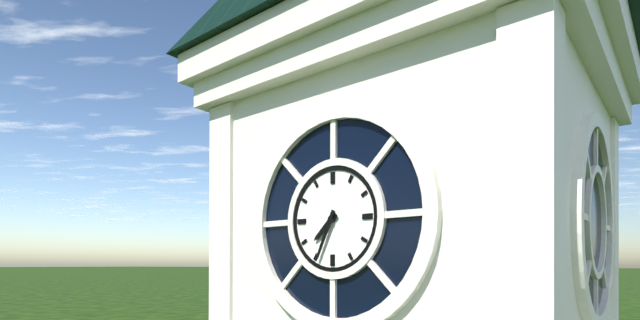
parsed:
7:34
